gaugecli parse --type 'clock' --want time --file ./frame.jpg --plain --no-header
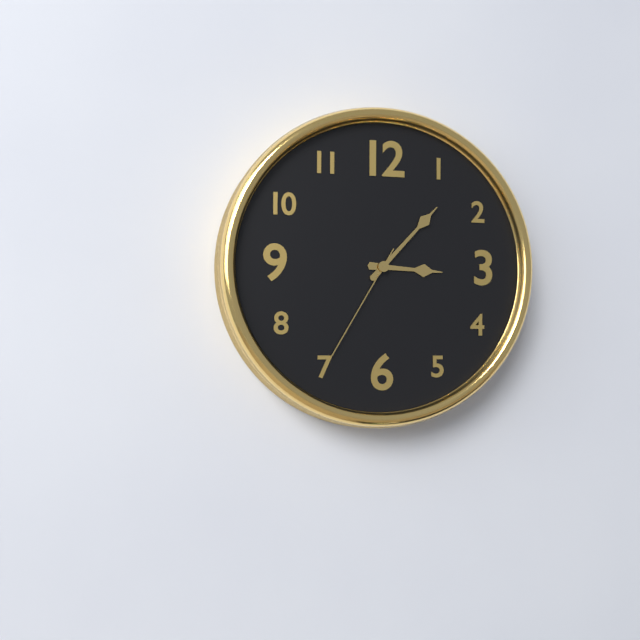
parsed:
3:07:35
